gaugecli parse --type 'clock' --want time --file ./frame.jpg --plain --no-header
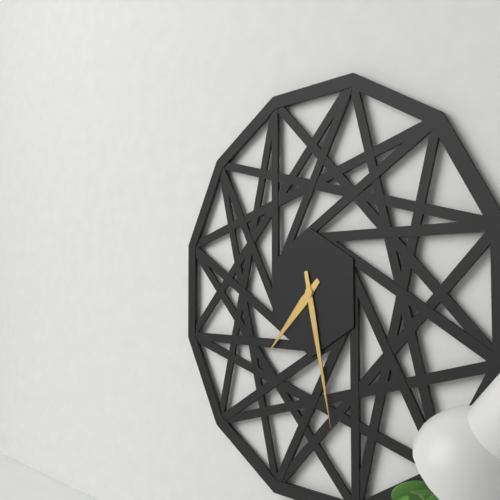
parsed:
7:28
